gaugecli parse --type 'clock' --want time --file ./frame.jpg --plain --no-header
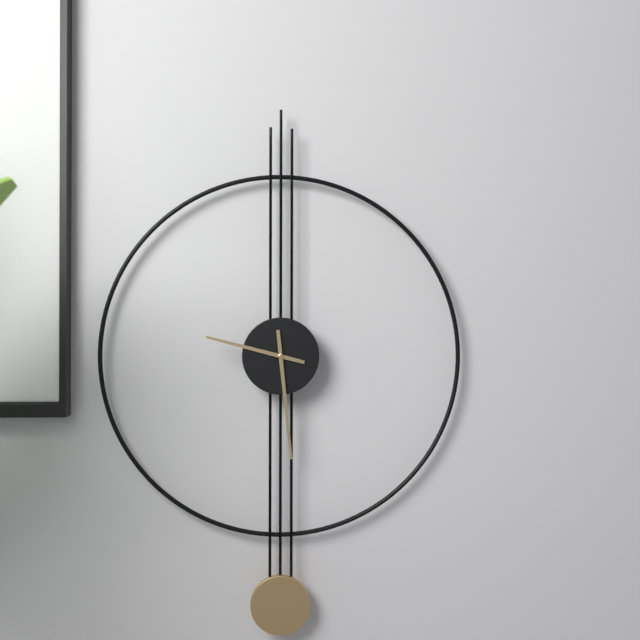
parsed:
9:29
